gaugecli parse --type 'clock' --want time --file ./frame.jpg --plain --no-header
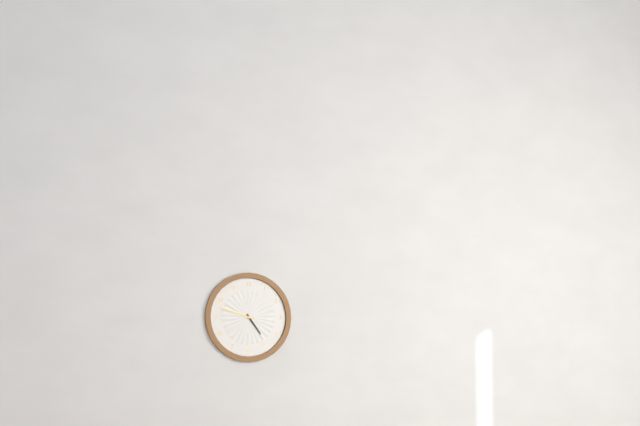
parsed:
4:48
